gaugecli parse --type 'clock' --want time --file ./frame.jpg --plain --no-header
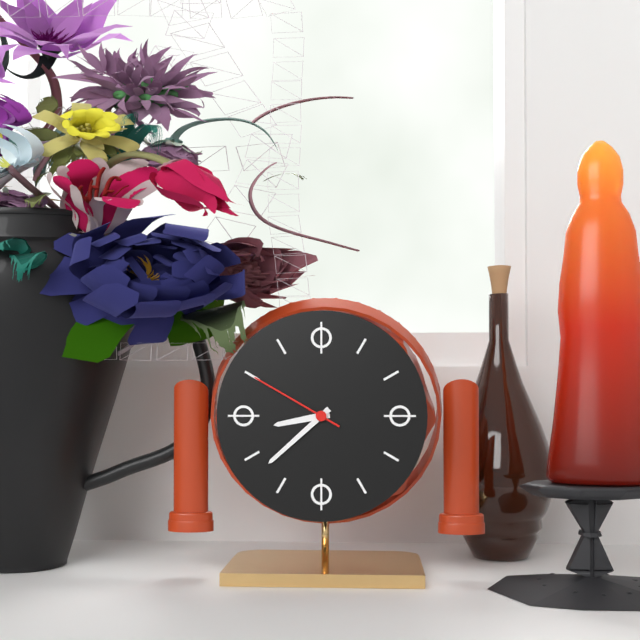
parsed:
8:38:50
